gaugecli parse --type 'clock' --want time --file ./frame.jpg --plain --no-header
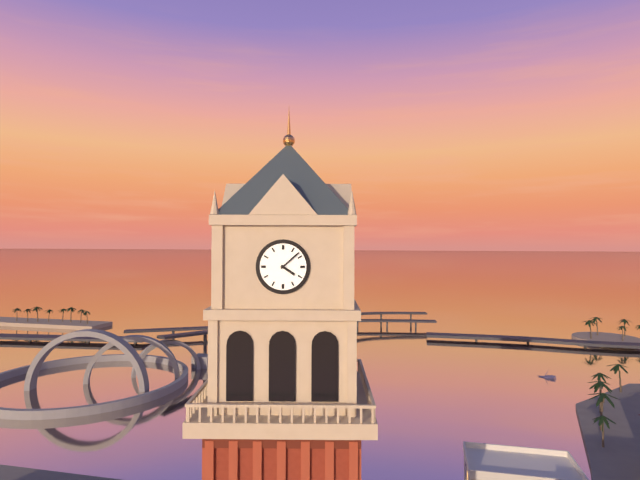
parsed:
4:08
